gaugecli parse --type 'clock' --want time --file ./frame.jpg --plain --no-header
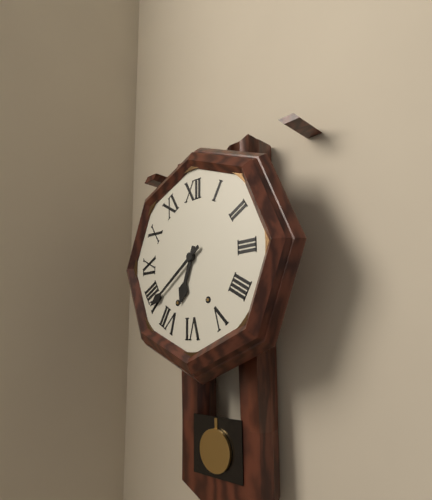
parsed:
6:39
